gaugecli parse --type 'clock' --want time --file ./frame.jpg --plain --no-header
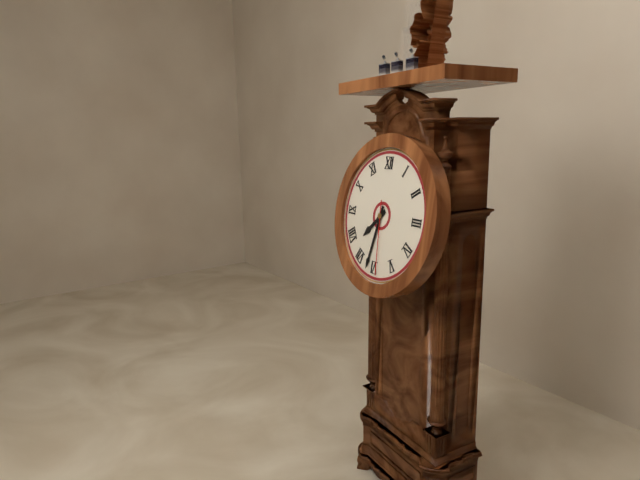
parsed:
7:32:29
